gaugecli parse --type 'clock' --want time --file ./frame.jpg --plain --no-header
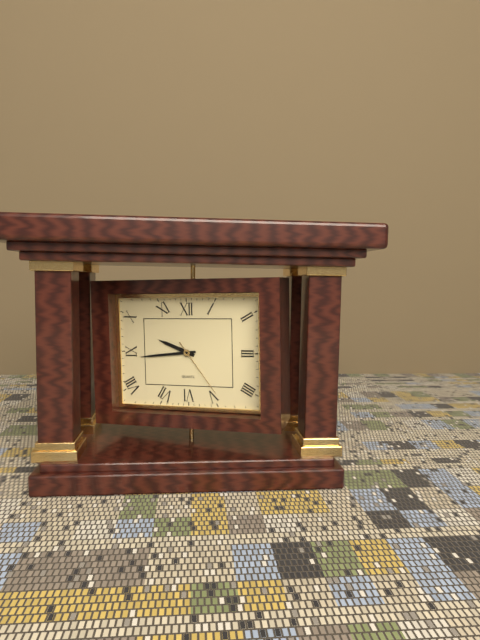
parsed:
9:44:24
